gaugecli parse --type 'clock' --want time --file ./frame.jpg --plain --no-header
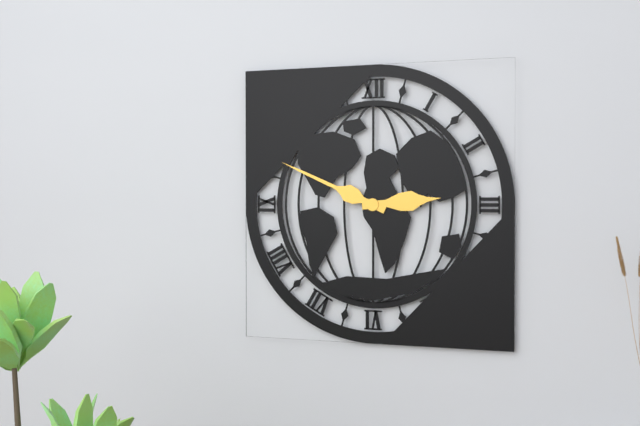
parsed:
2:49
